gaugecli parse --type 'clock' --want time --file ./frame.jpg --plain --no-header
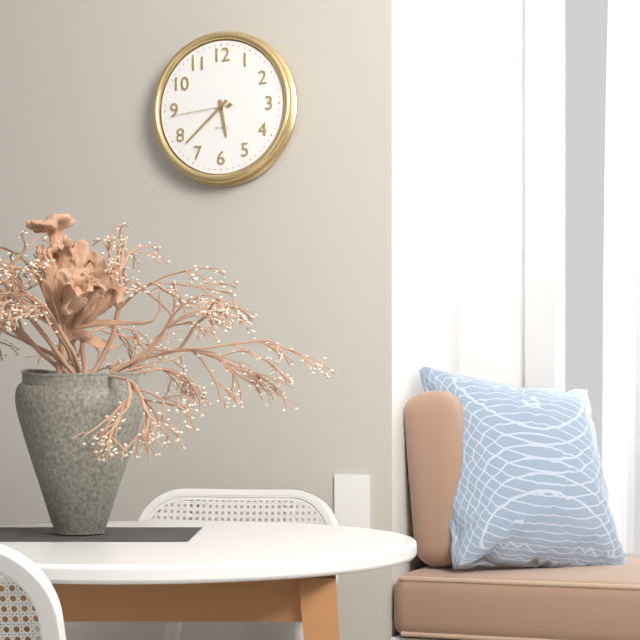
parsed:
5:38:44
